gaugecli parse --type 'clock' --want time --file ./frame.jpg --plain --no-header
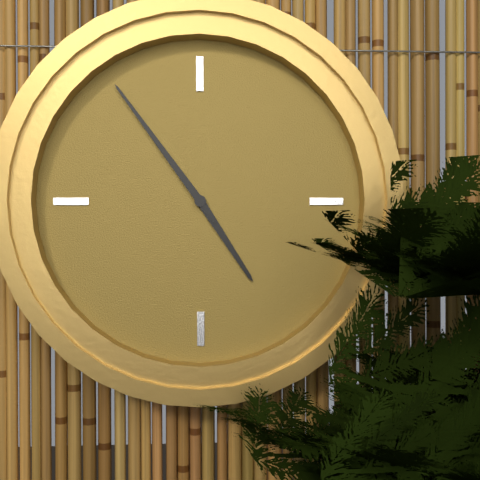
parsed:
4:54
